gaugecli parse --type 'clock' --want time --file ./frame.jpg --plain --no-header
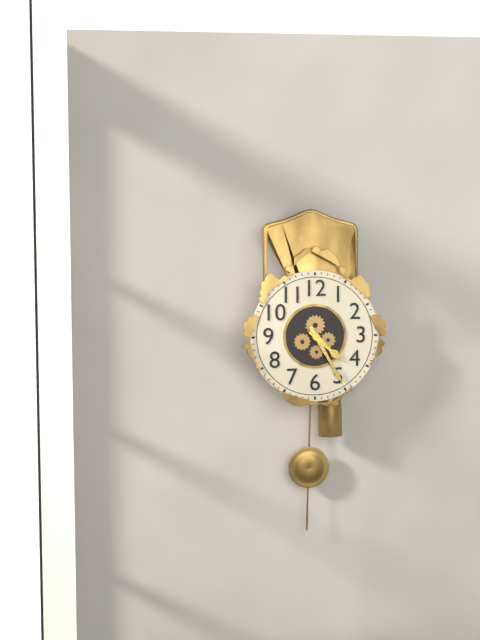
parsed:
4:25
